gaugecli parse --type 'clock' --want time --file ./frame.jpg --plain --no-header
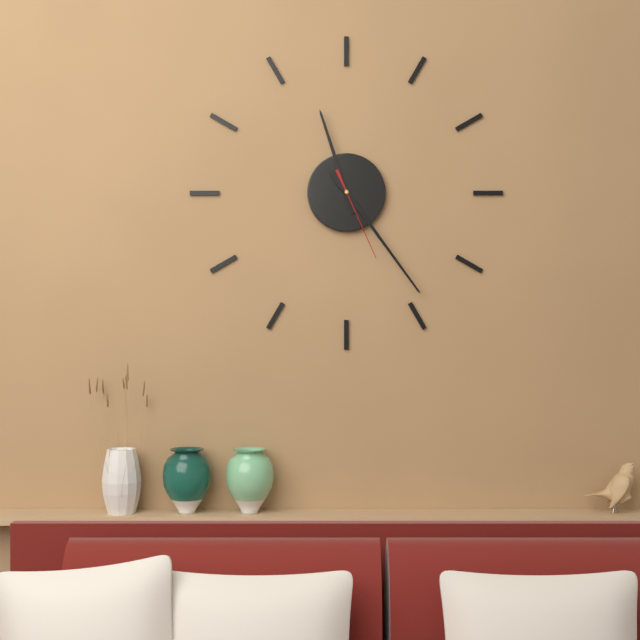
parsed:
11:24:26
